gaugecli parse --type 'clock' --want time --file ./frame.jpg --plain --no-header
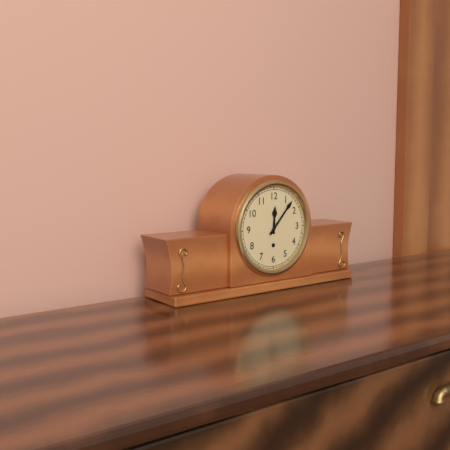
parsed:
12:07
